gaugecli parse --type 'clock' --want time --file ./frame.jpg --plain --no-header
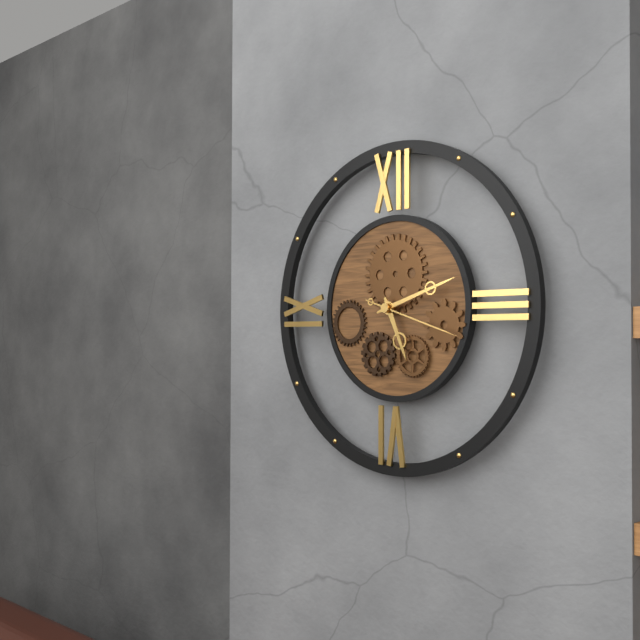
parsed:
5:12:18
